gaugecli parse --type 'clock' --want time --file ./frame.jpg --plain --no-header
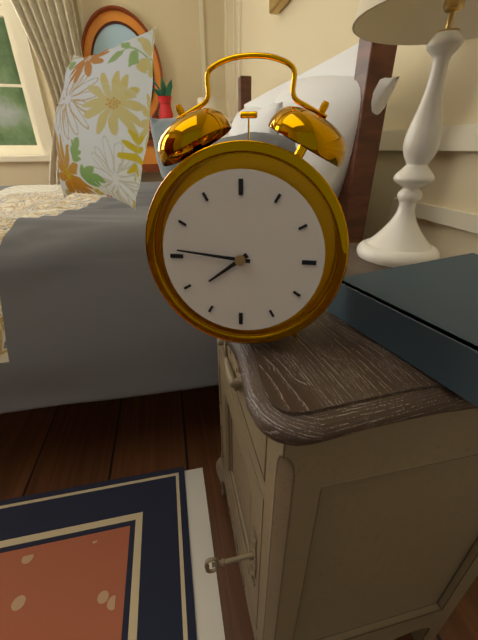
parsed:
7:46
